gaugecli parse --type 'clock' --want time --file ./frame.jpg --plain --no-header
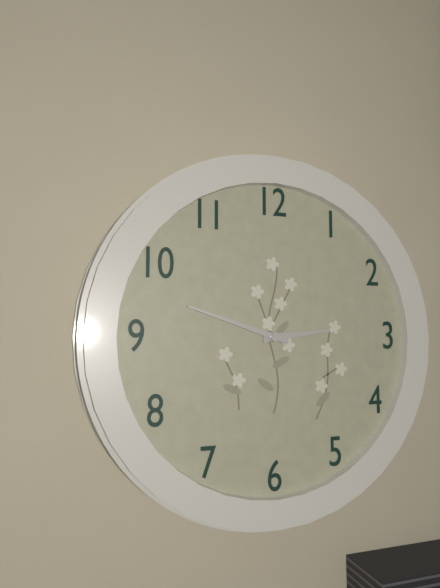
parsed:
2:48
